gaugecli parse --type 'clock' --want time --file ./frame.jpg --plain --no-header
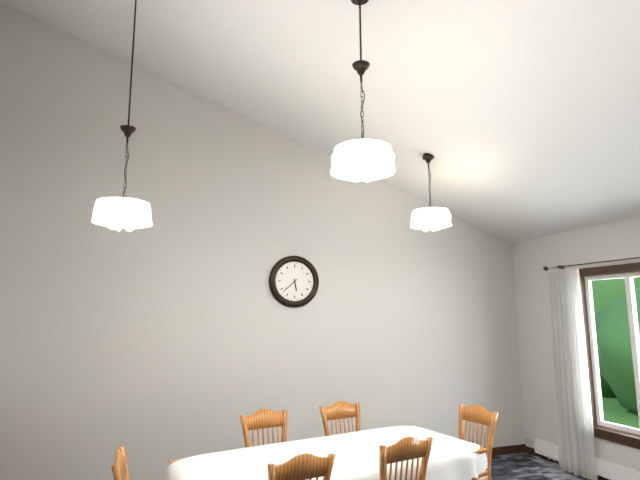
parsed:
5:38
